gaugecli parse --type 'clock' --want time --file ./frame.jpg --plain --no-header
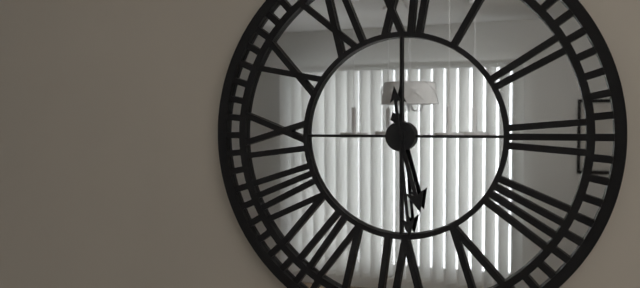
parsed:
5:29
